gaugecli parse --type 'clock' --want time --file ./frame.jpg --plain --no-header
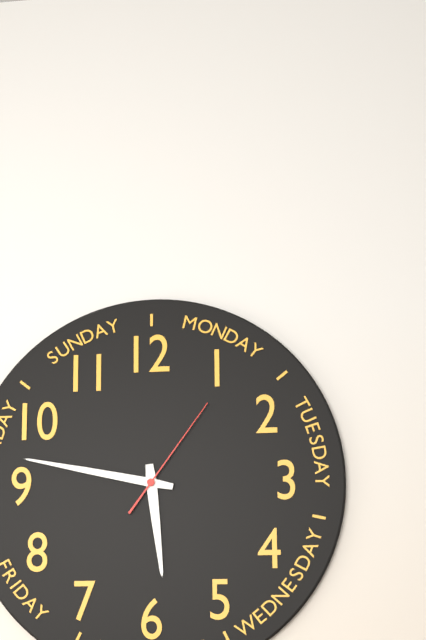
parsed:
5:47:06
